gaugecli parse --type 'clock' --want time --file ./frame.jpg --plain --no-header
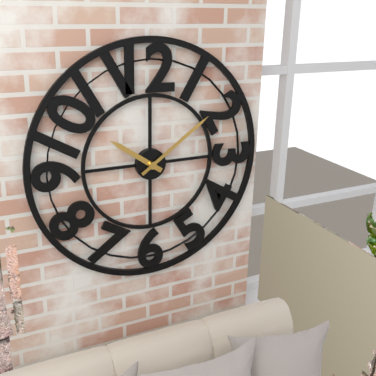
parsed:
10:09
